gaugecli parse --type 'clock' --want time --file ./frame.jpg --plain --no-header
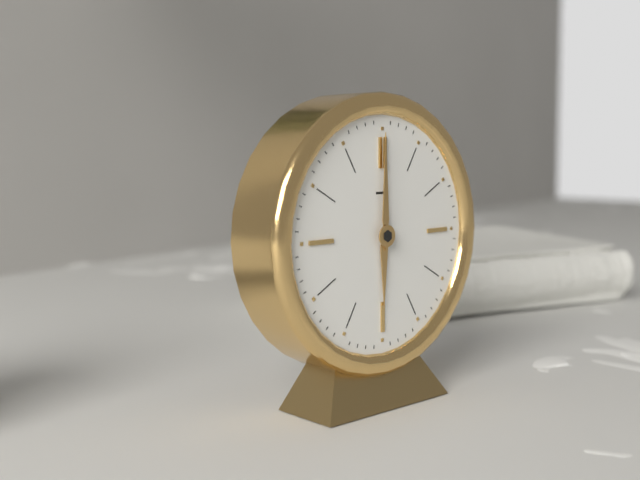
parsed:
6:00
